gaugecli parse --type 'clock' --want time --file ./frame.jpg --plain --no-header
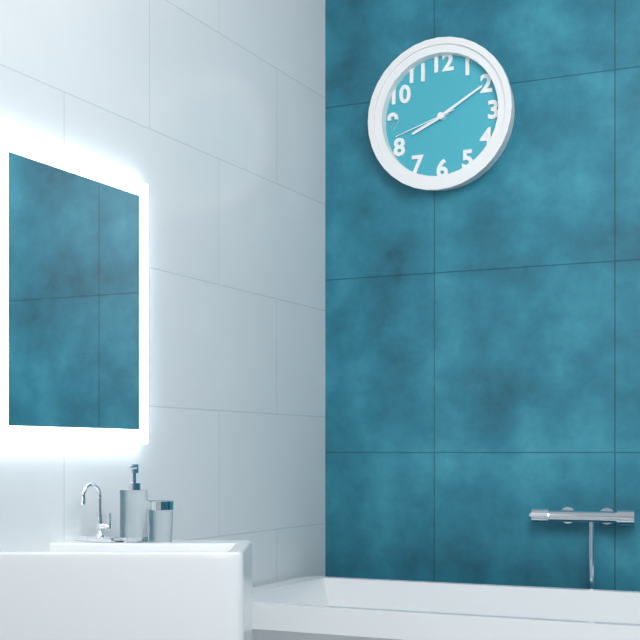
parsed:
8:10:42
